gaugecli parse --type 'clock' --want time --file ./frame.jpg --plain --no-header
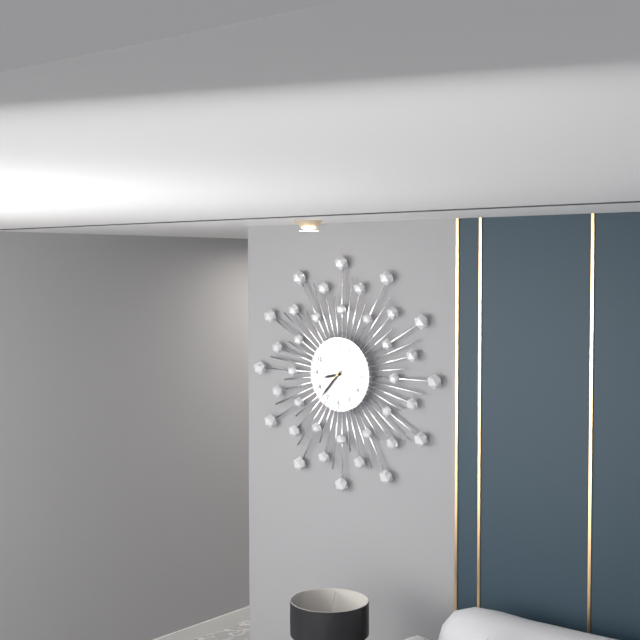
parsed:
8:37
